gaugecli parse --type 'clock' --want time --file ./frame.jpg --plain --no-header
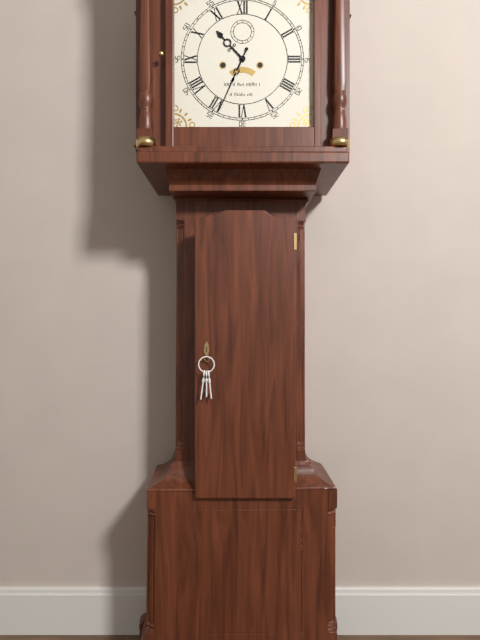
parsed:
10:34
